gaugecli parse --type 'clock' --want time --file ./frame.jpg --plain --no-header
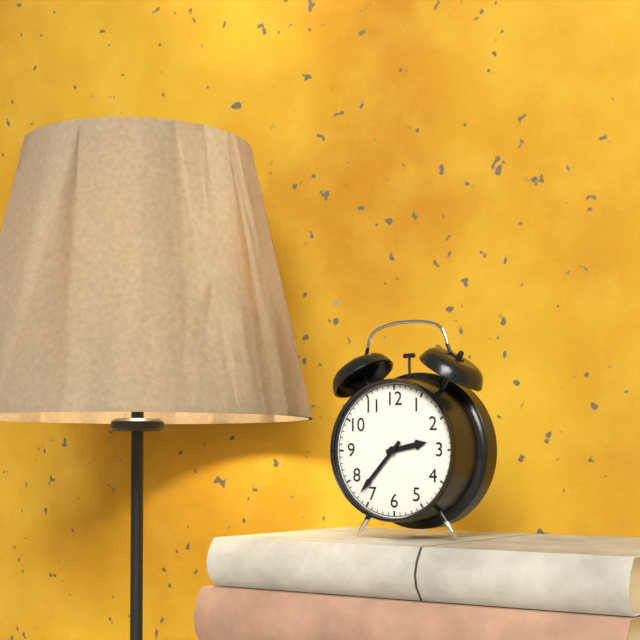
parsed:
2:37
